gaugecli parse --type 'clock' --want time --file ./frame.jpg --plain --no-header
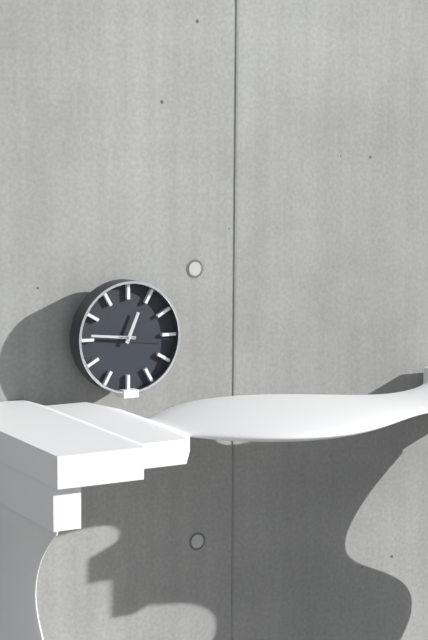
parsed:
12:46
